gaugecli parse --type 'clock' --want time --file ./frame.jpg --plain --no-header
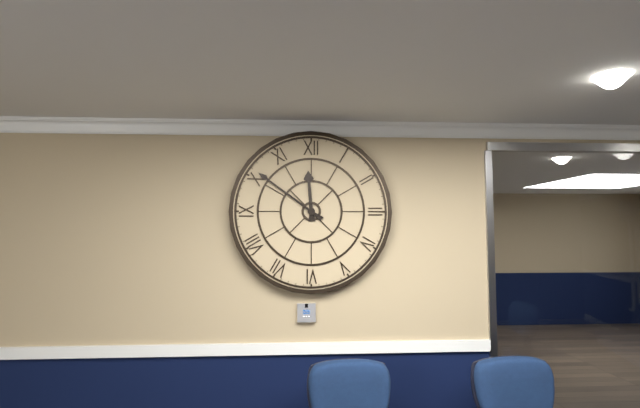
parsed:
11:51
